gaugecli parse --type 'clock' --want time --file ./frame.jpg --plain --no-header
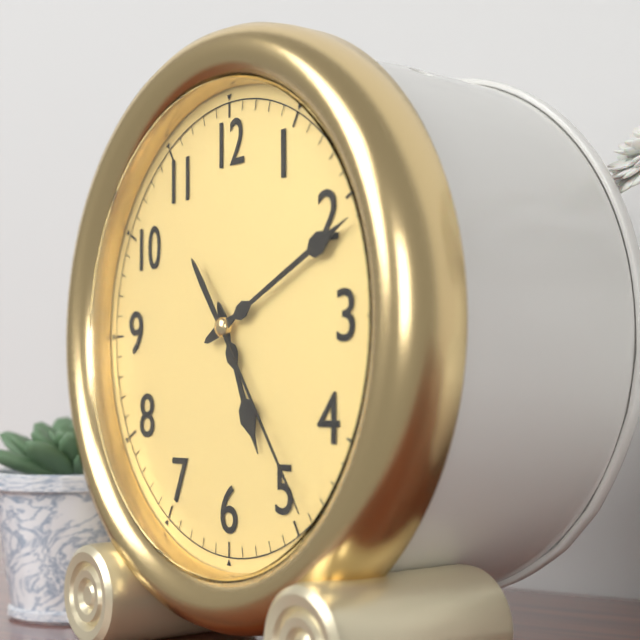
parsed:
5:11:24
